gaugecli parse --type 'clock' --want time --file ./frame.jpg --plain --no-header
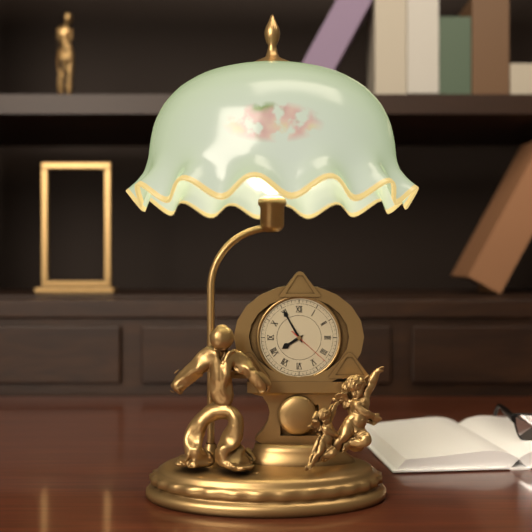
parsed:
7:55
